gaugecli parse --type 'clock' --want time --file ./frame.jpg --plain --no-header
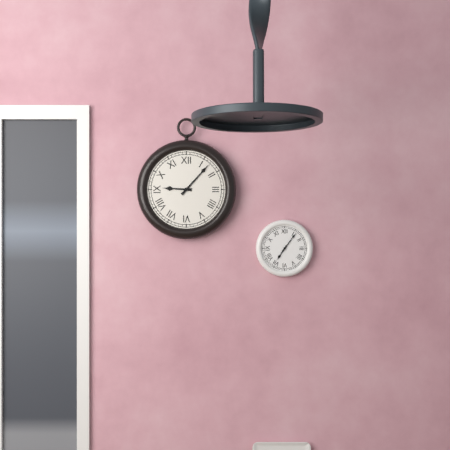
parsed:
9:07
